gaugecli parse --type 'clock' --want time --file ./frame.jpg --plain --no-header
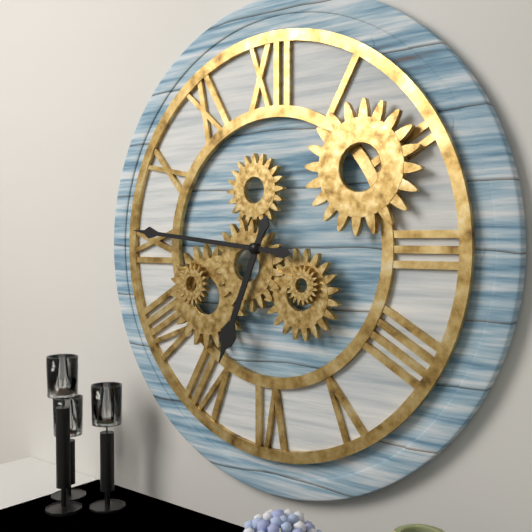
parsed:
6:46
